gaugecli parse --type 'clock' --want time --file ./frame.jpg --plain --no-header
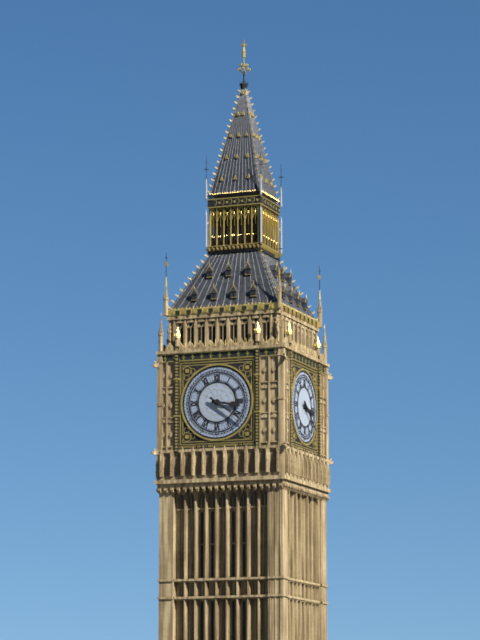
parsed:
3:21
